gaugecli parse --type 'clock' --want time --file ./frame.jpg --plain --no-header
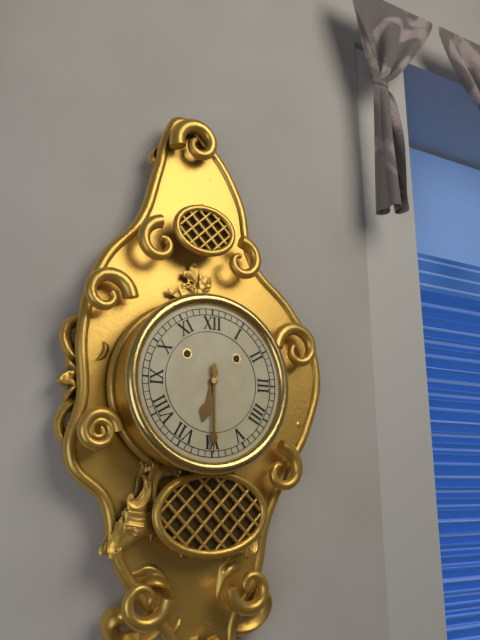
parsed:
6:30
